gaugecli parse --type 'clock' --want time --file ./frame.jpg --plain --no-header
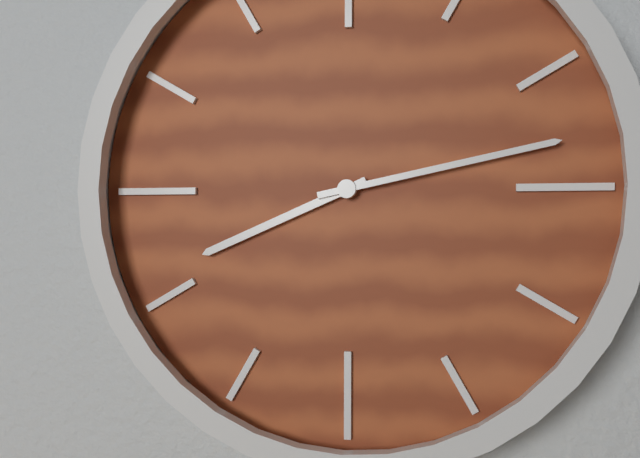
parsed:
8:13
